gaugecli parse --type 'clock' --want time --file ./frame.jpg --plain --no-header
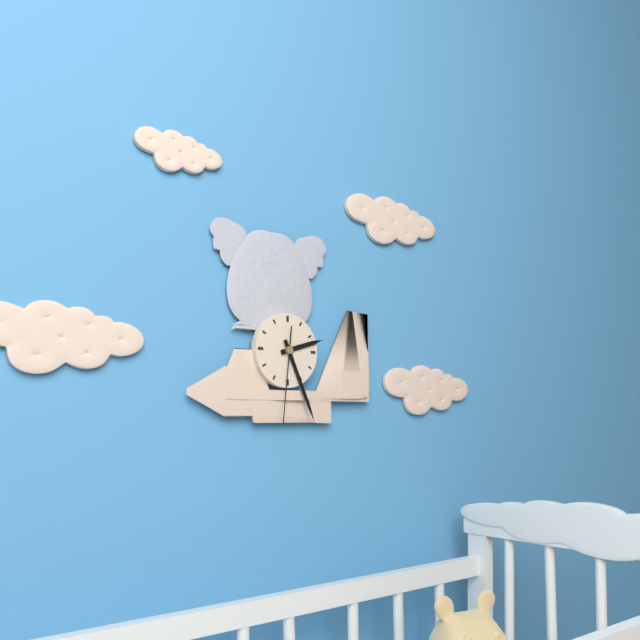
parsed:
2:26:31
